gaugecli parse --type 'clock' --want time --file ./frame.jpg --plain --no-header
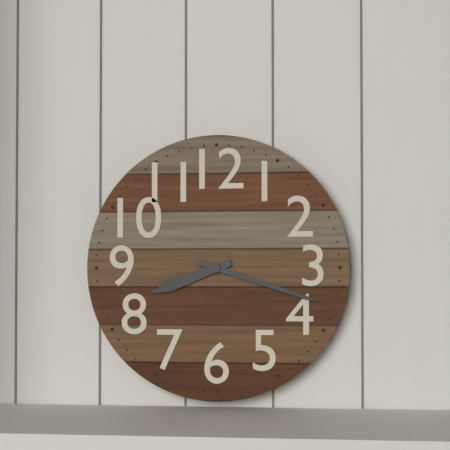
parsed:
8:18
